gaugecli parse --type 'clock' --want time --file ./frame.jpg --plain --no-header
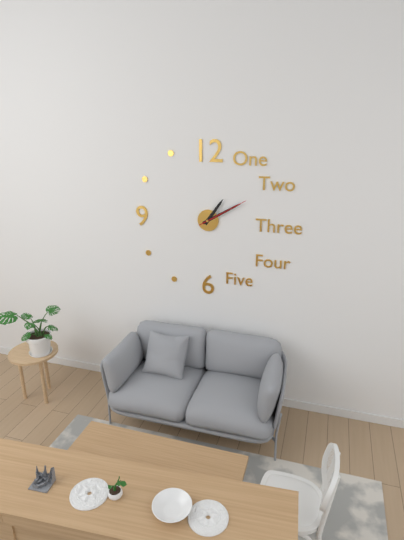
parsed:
1:10:10
